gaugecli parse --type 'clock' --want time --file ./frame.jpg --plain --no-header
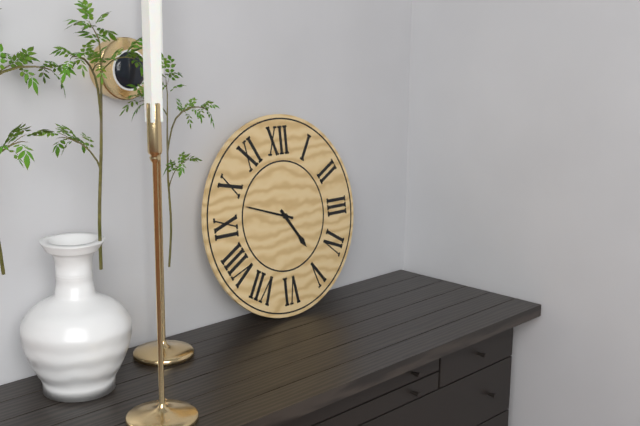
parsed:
4:48
